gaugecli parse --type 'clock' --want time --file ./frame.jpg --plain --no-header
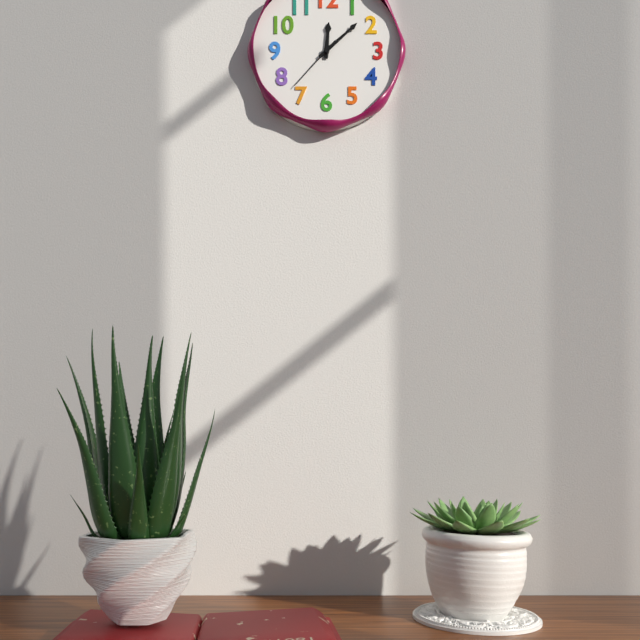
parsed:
12:08:37
